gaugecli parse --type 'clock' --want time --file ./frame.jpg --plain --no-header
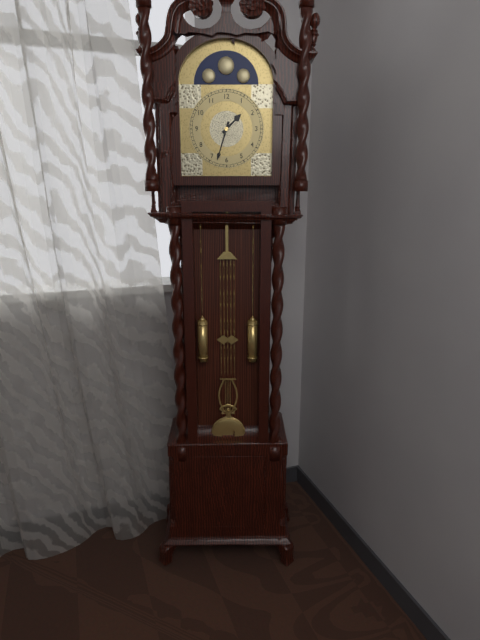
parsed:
1:33
